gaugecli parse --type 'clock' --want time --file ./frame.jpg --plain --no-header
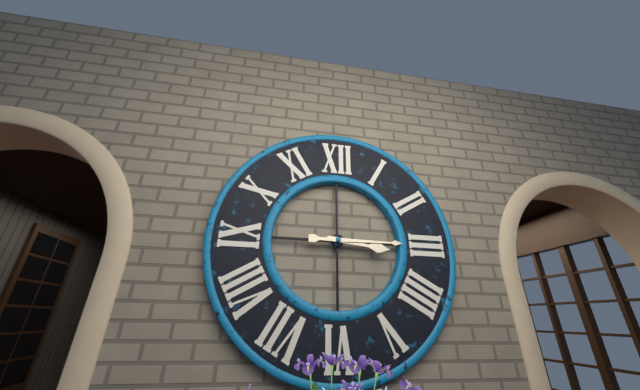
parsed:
3:15
